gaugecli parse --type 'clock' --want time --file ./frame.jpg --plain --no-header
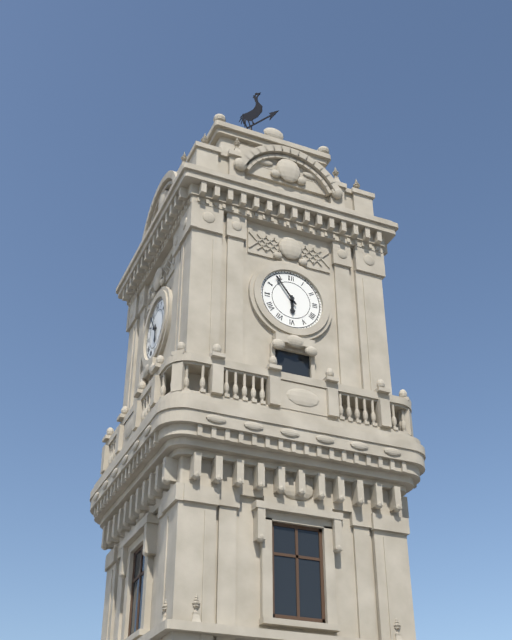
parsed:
5:54
